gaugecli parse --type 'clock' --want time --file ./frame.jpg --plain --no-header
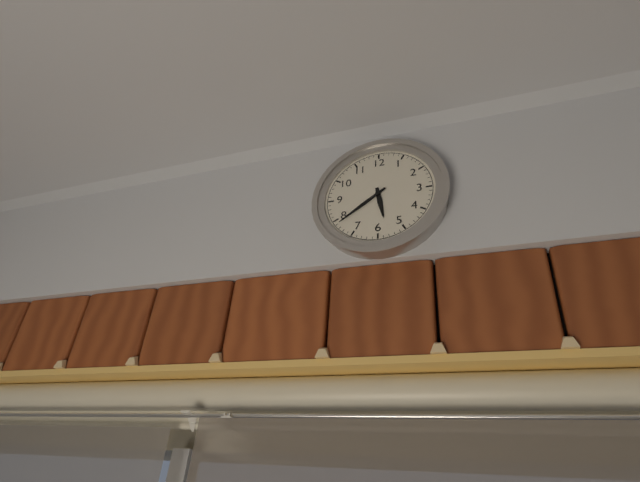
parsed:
5:39
